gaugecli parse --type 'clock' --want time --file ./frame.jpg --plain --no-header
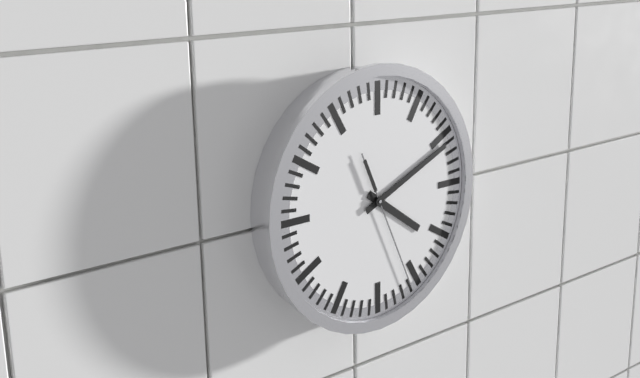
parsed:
4:11:26
